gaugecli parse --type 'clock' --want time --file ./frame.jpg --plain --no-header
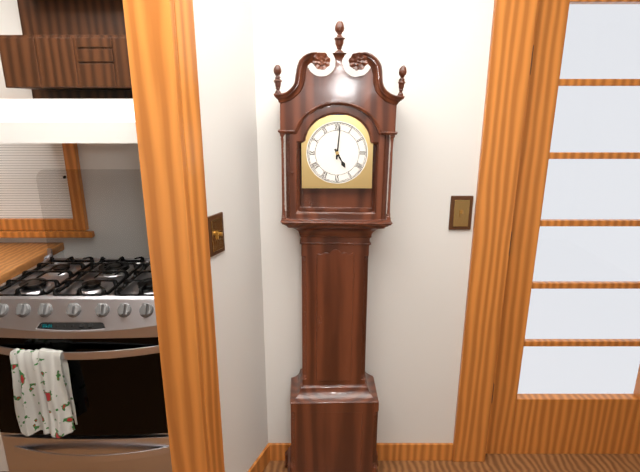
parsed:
5:01
